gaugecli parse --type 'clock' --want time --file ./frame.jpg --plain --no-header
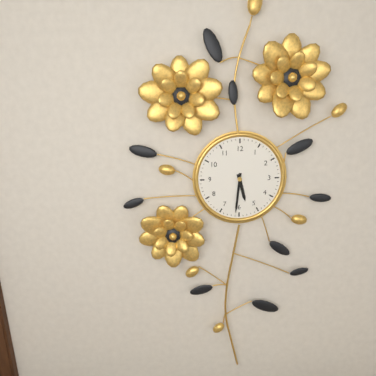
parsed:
5:31
